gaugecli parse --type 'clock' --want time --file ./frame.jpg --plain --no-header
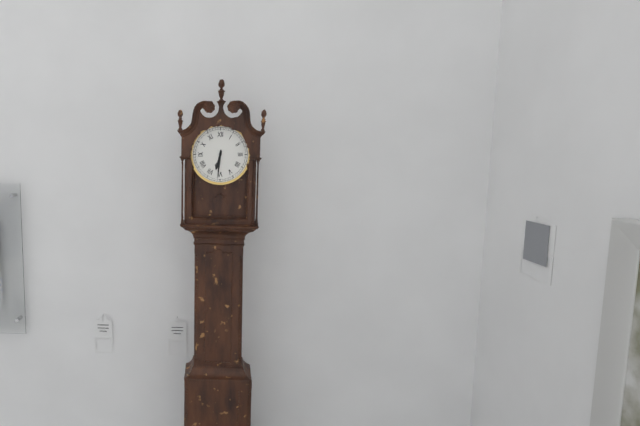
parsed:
6:31
